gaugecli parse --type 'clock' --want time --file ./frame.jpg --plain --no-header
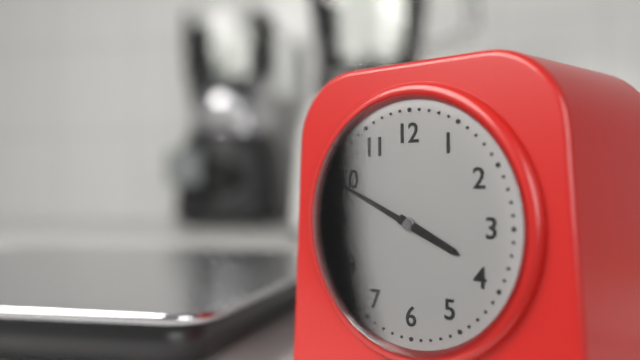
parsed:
3:49
